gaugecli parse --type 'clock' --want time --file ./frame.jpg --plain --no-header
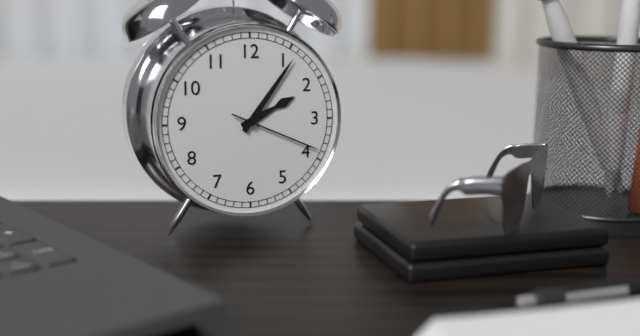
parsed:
2:06:19
